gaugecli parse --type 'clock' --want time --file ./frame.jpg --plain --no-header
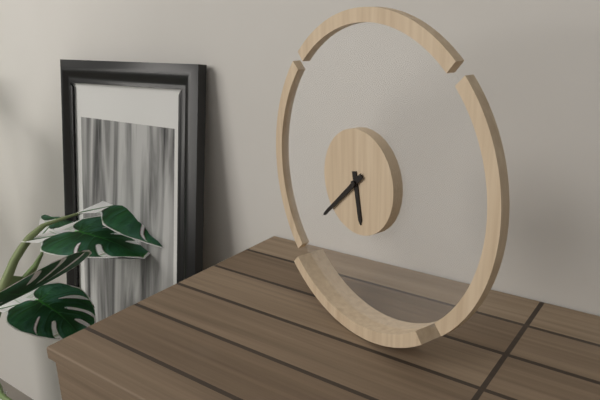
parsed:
5:38
